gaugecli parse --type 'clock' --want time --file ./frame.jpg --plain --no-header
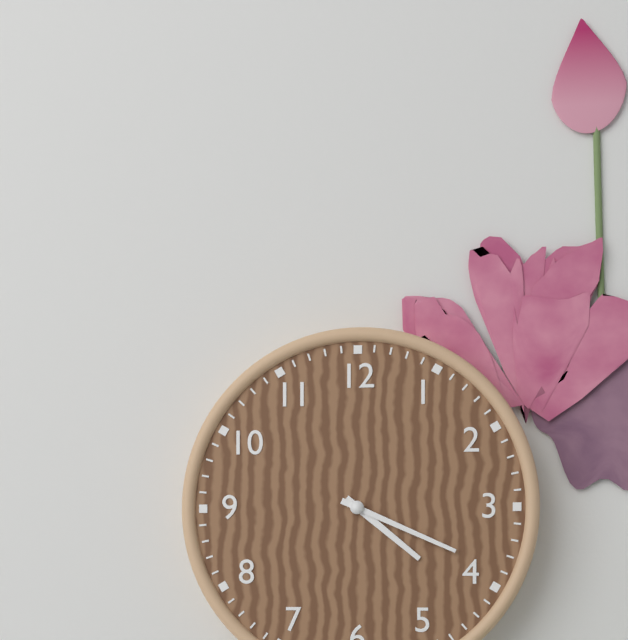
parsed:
4:19
